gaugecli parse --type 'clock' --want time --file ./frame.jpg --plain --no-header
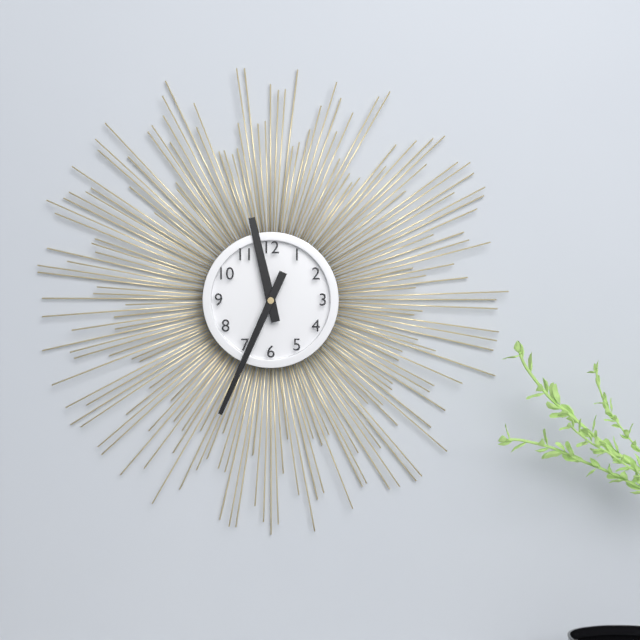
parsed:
11:34
